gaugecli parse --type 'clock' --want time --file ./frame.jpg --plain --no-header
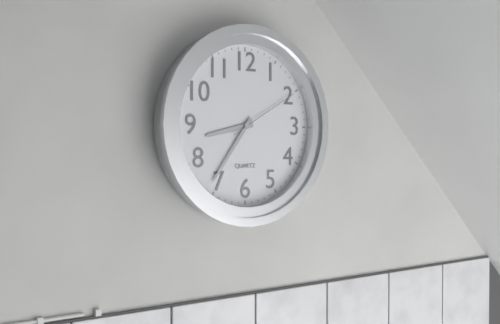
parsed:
8:36:10
